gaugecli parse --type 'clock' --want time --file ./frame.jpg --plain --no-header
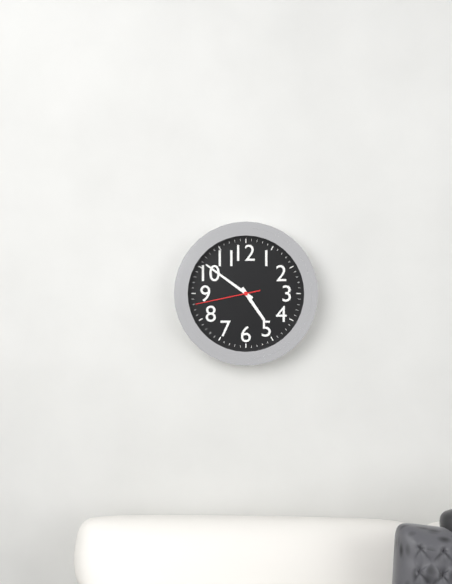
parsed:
4:51:43
